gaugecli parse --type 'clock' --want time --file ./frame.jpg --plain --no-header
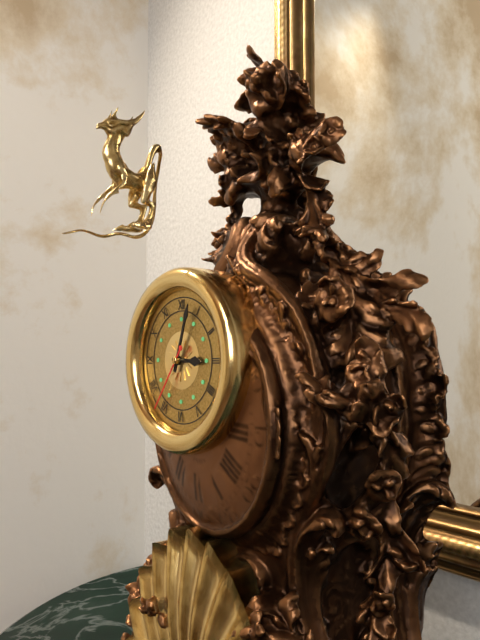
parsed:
3:03:36
